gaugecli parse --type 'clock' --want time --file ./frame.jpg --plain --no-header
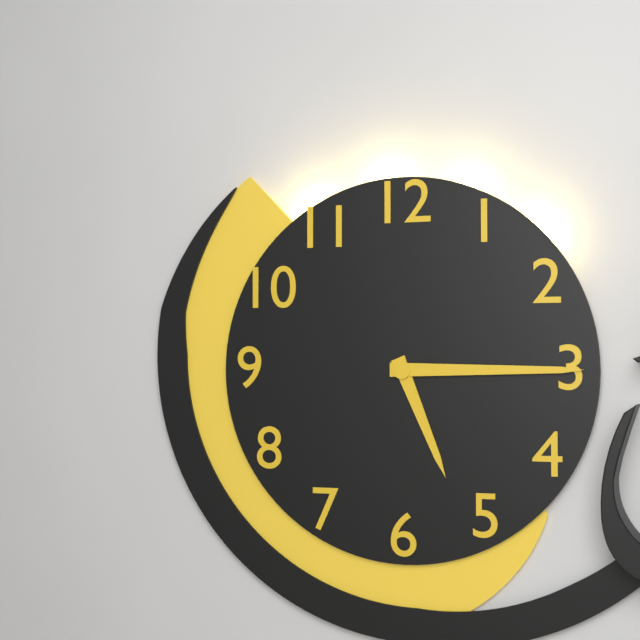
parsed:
5:15
